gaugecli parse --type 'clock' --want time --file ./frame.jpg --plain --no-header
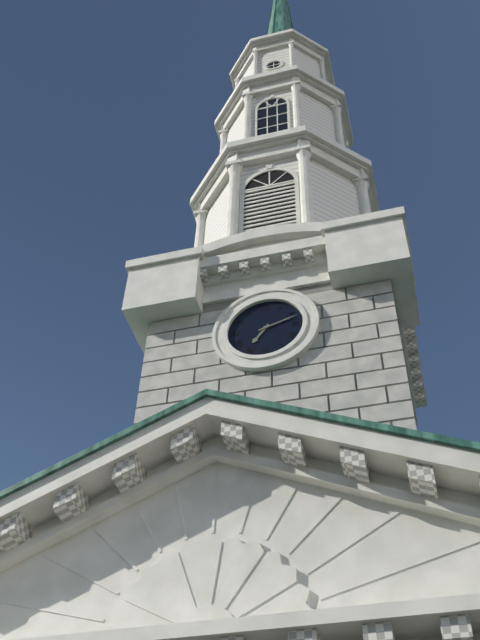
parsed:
7:12
